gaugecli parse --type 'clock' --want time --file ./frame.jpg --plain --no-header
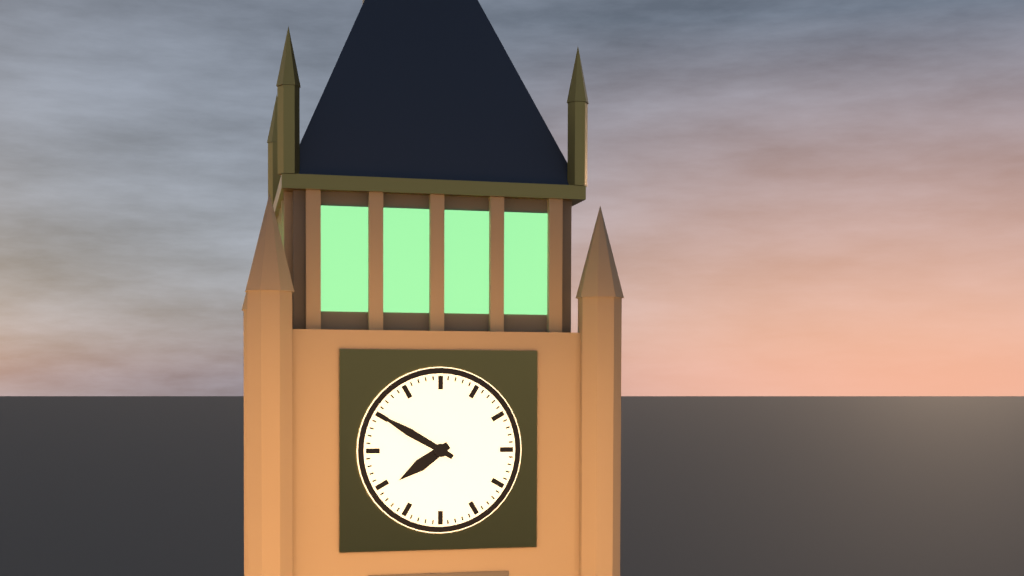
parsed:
7:50
